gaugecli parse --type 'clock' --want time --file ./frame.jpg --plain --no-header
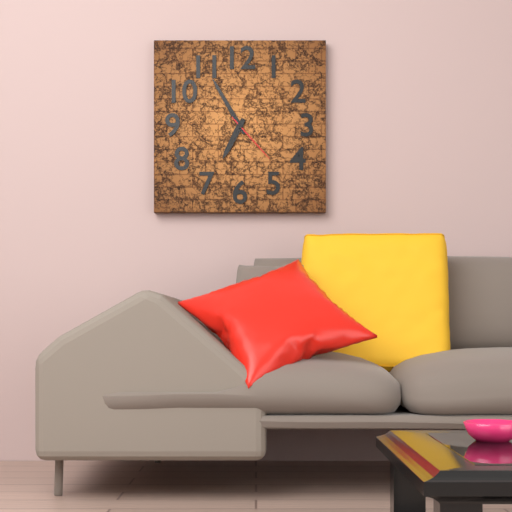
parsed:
6:55:23
